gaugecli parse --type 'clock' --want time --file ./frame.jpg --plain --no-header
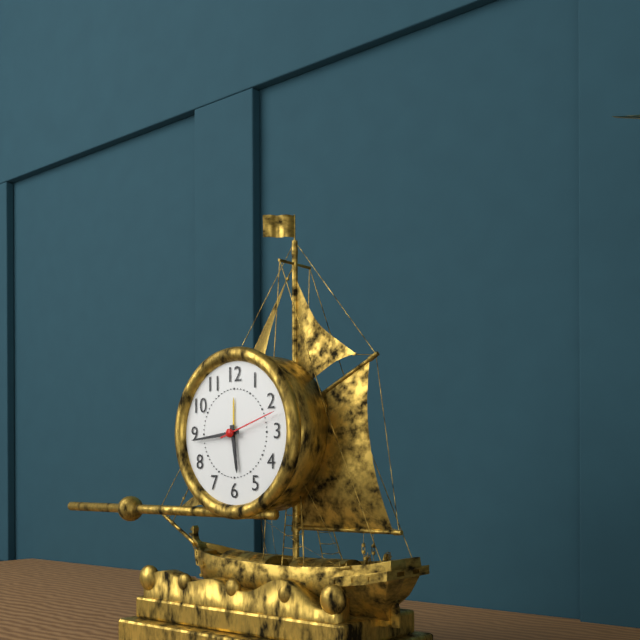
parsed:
5:44:12
